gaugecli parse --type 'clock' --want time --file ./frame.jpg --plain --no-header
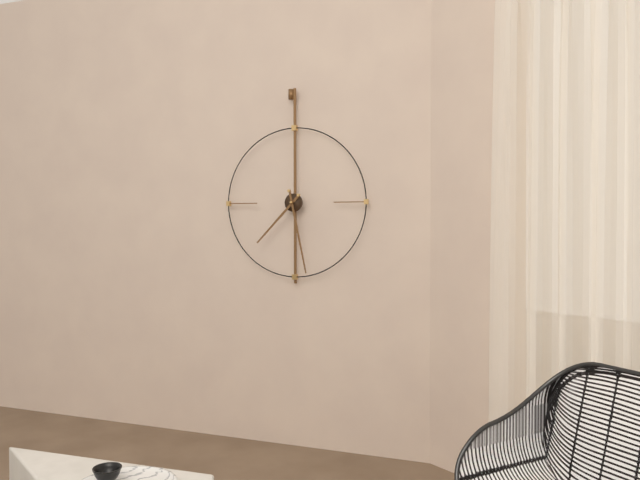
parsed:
7:28
